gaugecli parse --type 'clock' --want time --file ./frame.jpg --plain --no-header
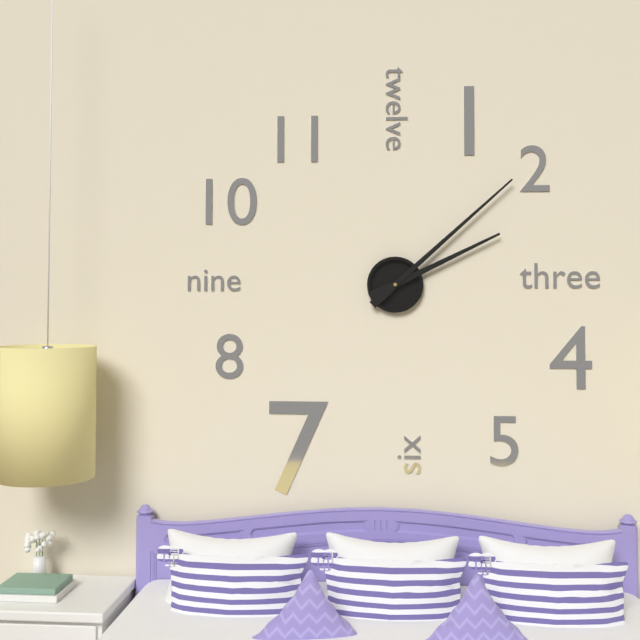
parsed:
2:08
